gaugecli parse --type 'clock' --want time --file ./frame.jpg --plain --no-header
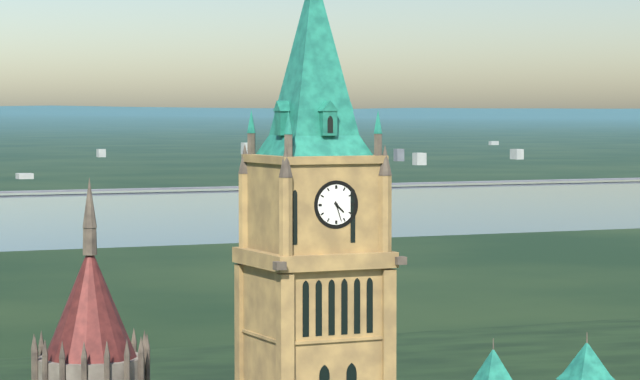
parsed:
4:27
